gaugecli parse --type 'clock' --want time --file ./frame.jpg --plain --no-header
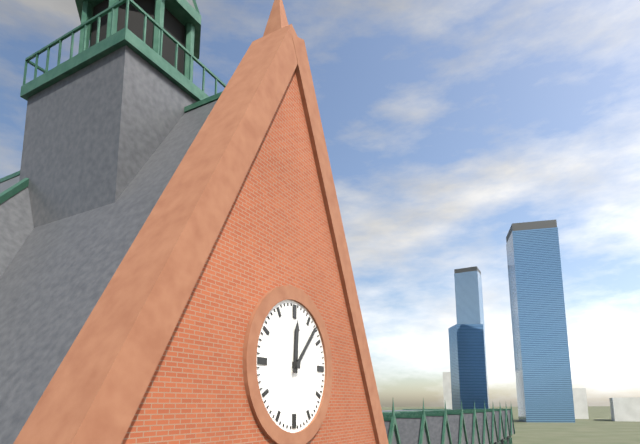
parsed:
12:07
